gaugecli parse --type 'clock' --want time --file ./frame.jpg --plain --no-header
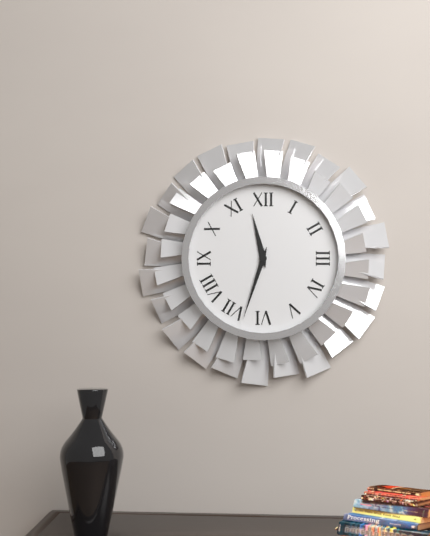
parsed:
11:33
